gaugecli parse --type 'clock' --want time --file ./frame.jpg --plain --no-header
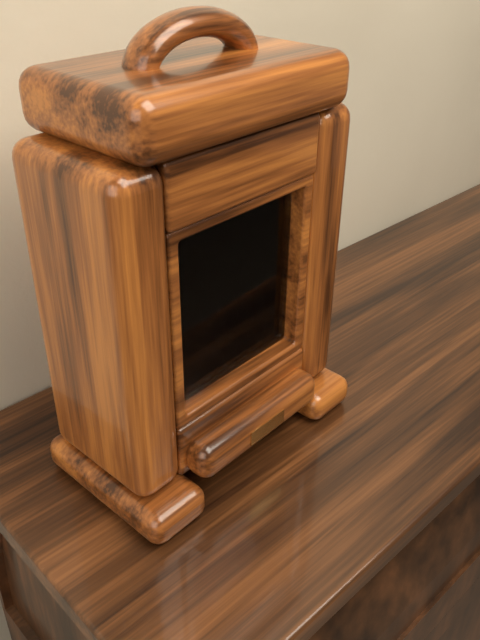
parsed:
4:53:16
